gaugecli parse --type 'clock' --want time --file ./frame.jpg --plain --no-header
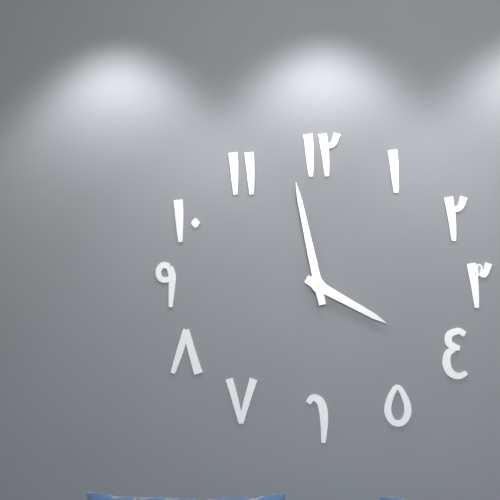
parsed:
3:58
